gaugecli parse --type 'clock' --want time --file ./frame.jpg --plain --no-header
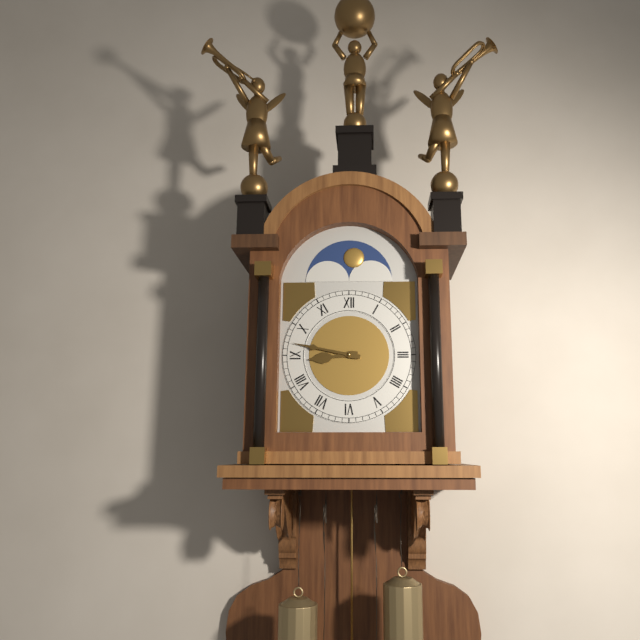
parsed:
8:47
